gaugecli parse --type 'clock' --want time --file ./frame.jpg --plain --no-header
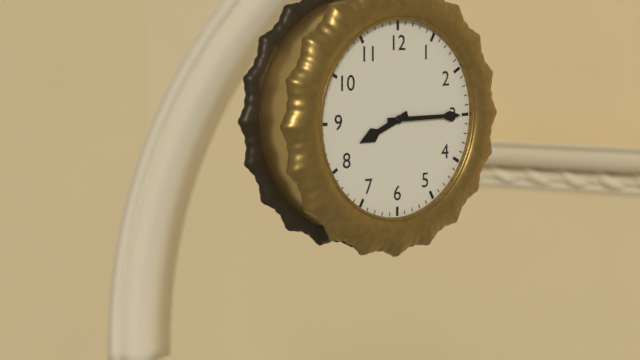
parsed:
8:15
